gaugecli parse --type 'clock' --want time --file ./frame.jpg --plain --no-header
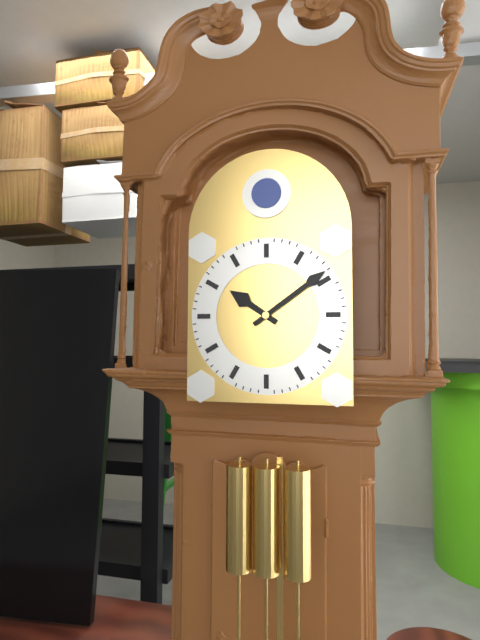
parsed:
10:09
